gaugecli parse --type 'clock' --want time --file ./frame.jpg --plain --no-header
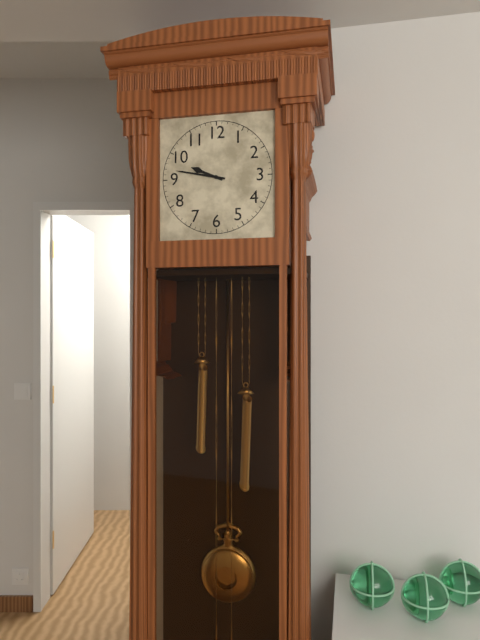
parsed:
9:47
